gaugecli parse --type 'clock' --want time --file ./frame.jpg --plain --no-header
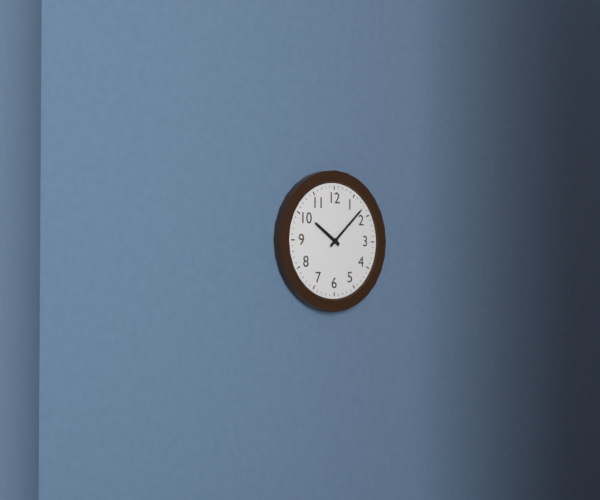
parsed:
10:08
